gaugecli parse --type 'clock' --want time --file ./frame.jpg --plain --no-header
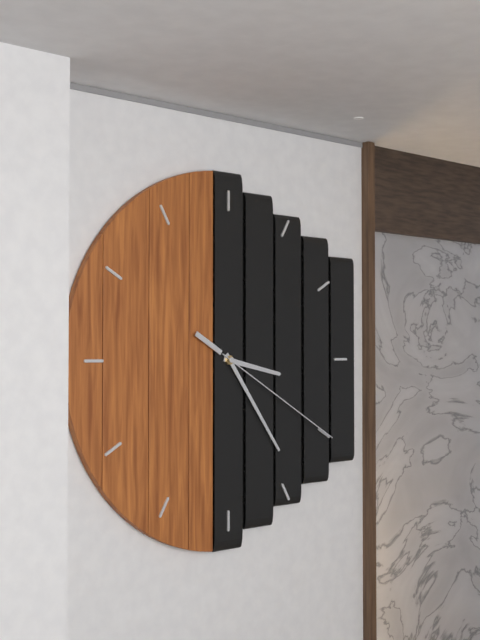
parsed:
3:24:20
